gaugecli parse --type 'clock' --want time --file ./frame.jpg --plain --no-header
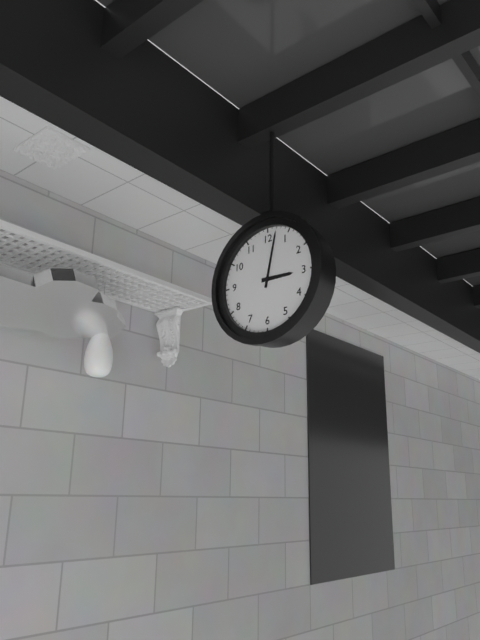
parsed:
3:02
